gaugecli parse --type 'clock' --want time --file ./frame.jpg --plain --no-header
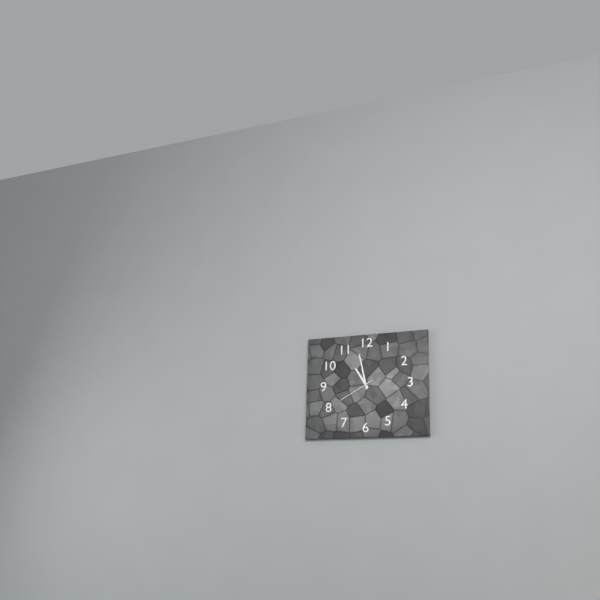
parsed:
10:58
